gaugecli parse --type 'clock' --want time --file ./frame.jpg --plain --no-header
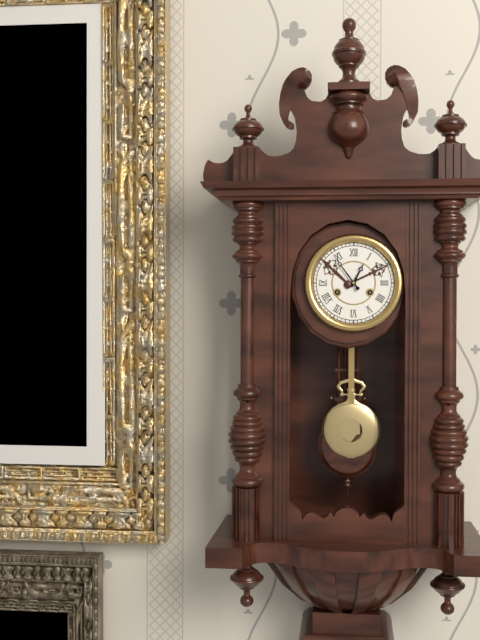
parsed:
12:54
